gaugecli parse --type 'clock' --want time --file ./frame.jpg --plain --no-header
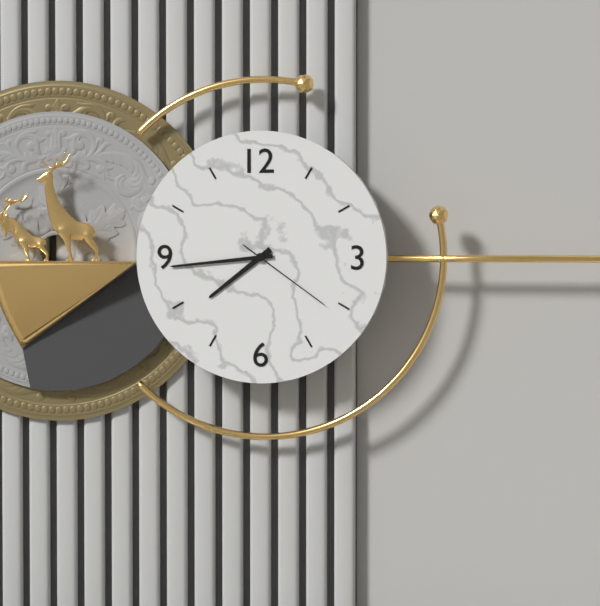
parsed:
7:44:21
